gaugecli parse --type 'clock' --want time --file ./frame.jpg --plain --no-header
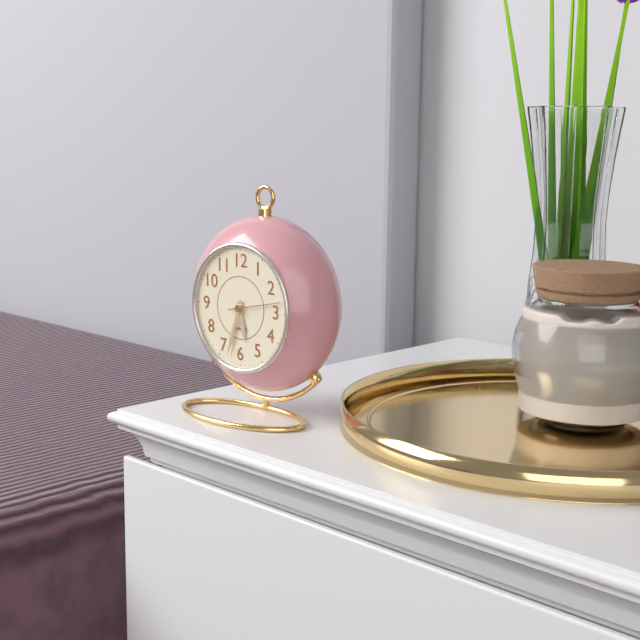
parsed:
5:33:13
